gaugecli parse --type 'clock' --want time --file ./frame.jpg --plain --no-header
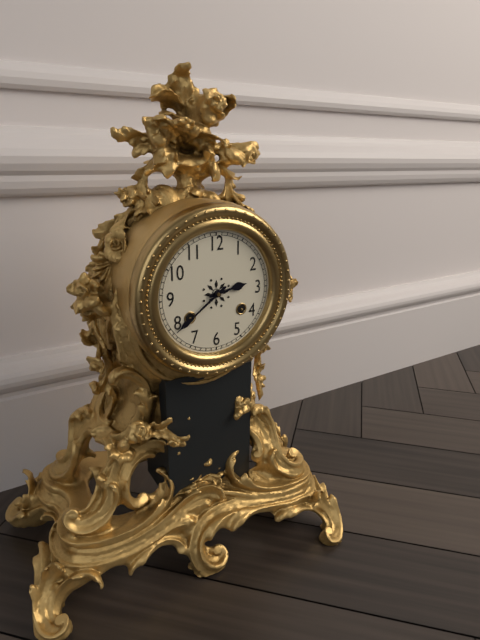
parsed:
2:39
